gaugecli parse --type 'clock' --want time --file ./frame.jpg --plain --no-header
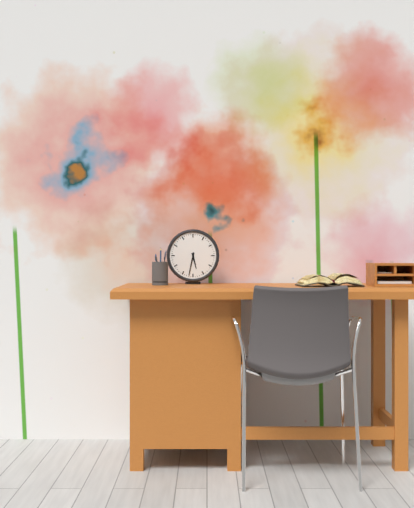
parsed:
5:32
